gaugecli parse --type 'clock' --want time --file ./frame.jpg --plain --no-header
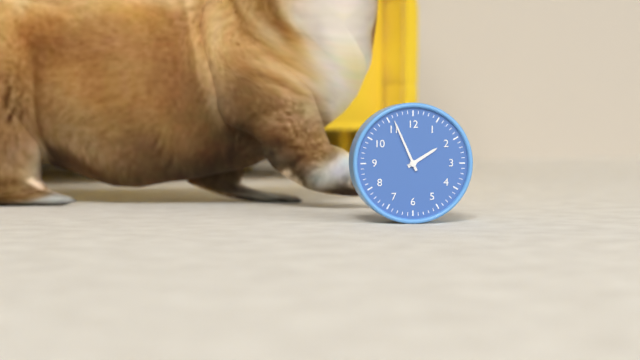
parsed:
1:56
